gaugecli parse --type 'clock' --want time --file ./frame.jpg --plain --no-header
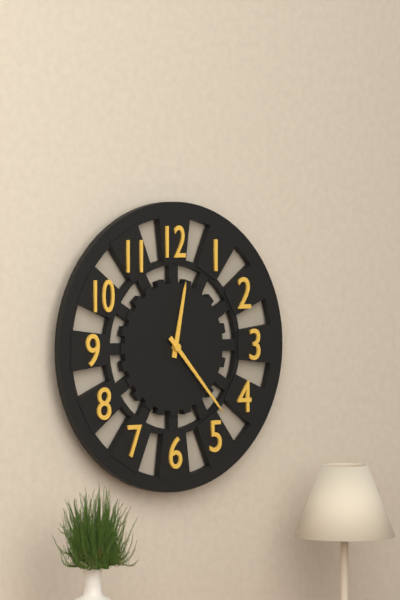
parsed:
12:23
